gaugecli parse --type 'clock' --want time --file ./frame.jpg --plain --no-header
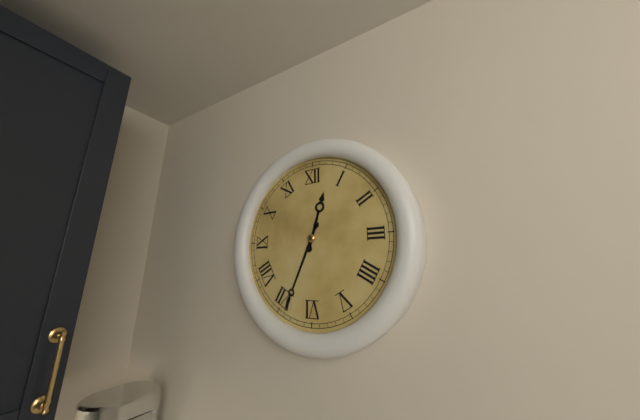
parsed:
12:34
